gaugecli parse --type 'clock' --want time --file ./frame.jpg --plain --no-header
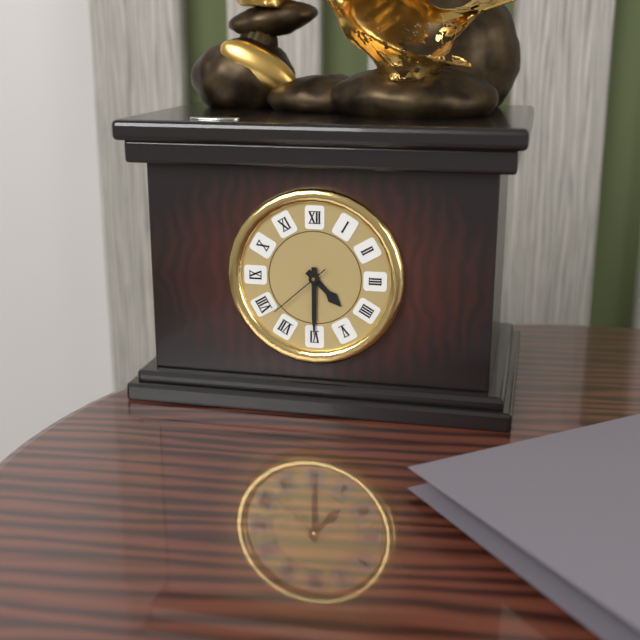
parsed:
4:30:38
